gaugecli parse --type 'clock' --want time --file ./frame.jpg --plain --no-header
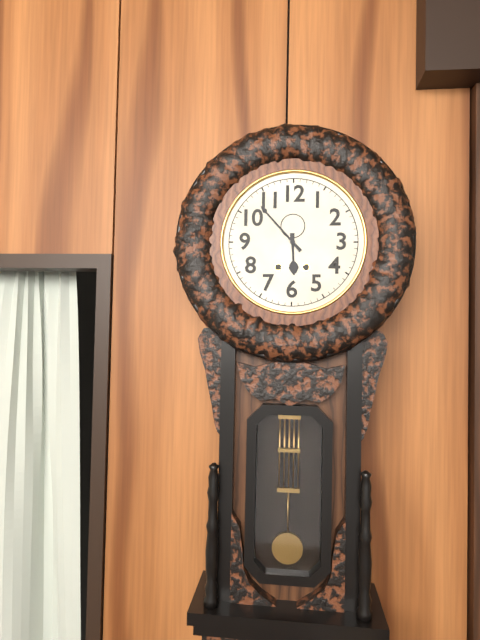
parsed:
5:53
